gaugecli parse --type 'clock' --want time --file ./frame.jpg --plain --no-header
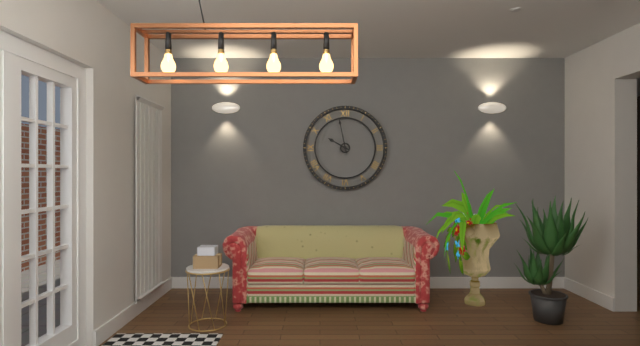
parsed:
9:58
